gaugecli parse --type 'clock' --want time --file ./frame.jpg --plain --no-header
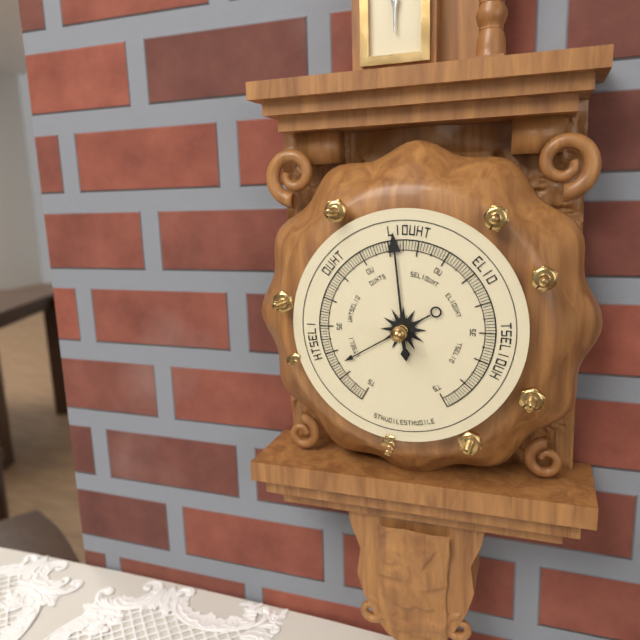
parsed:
7:59
